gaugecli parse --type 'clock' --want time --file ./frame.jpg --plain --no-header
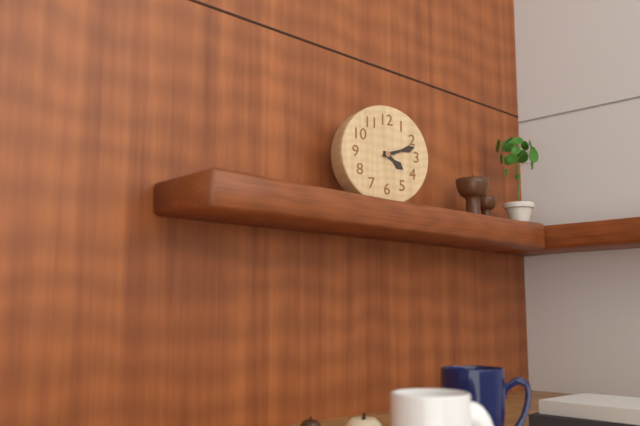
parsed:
4:12
